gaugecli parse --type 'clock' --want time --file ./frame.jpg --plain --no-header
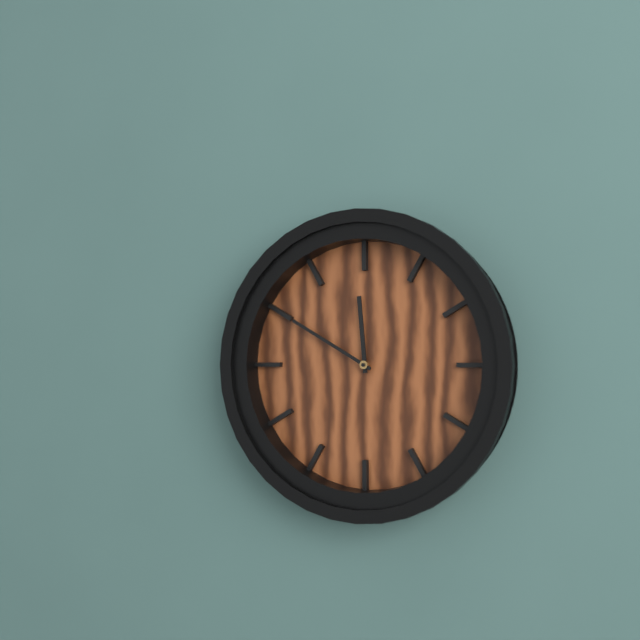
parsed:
11:50
